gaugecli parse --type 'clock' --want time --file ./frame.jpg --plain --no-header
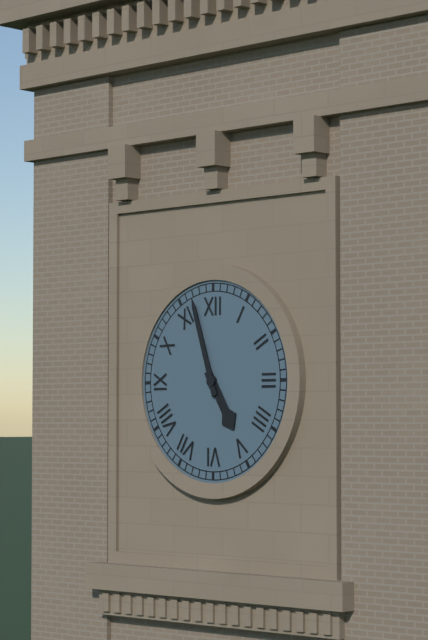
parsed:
4:57
